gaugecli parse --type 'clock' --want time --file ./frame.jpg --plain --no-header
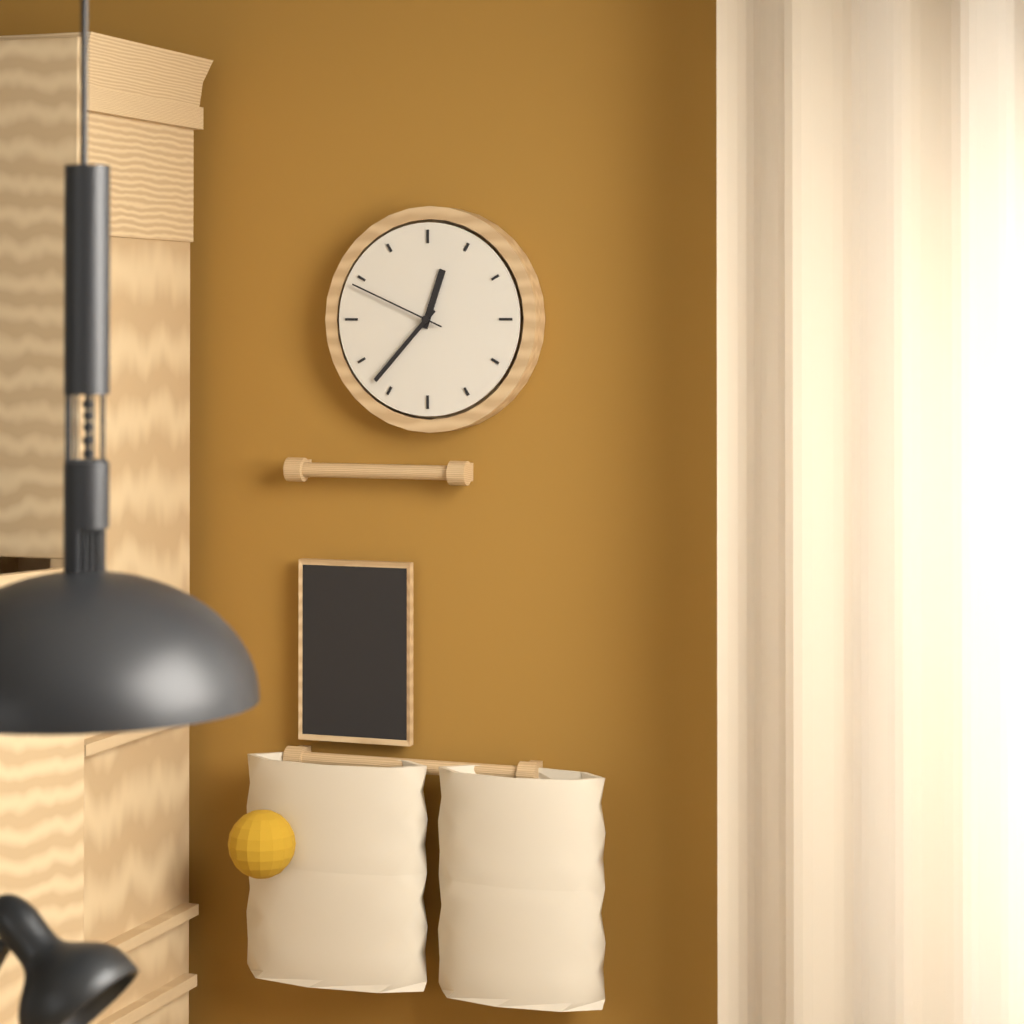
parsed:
12:37:49
